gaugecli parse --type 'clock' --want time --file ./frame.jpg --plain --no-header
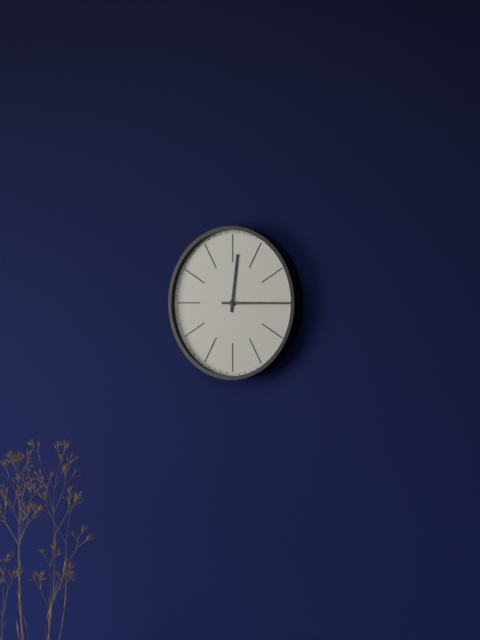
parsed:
12:15
